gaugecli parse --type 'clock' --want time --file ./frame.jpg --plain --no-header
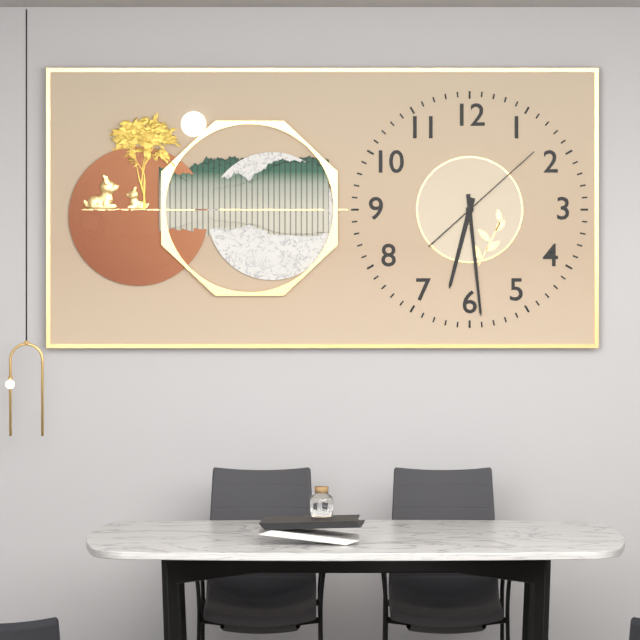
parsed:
6:29:08
